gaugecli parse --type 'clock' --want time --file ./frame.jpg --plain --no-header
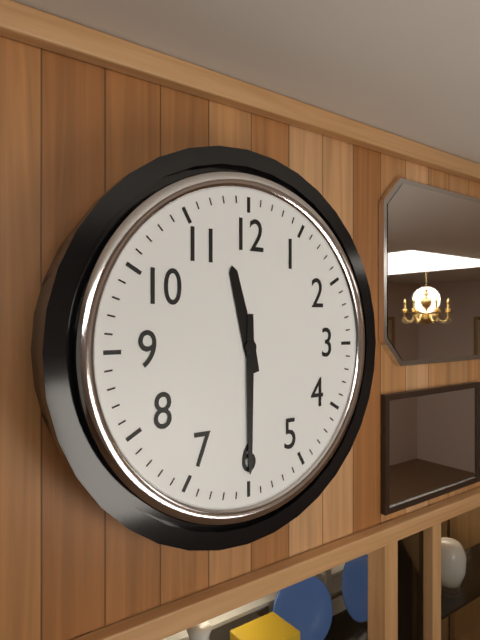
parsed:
11:30
